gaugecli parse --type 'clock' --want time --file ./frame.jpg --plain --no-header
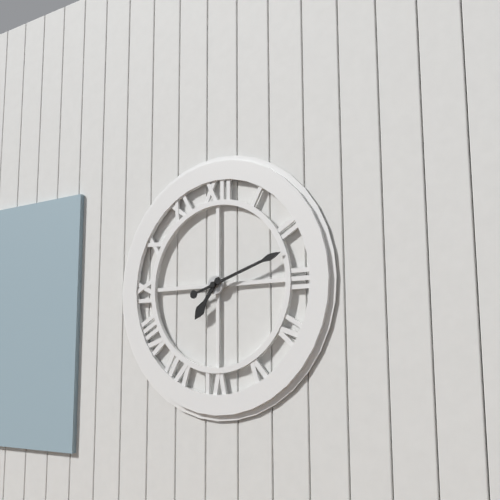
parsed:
7:12
